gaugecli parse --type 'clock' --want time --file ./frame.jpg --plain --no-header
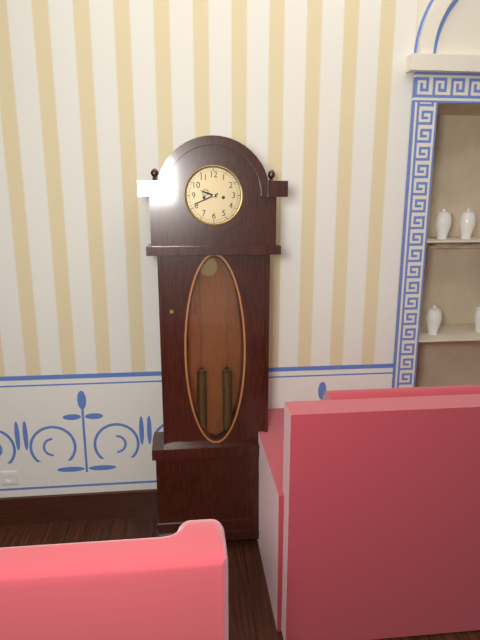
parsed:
9:41
